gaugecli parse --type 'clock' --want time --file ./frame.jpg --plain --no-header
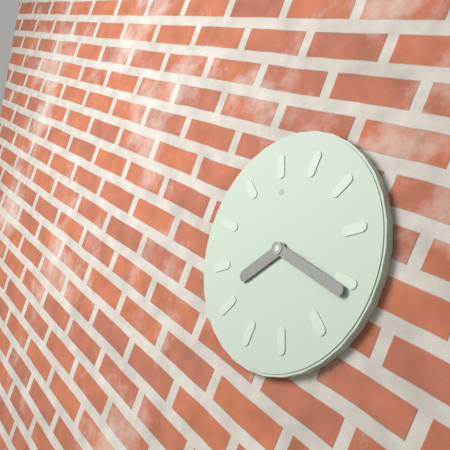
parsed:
8:21
